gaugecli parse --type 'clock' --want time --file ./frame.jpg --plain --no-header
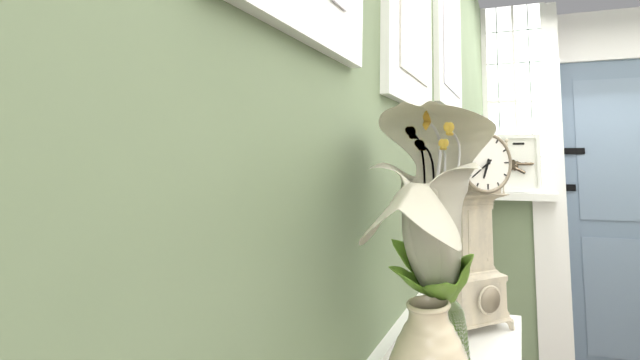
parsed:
6:39
